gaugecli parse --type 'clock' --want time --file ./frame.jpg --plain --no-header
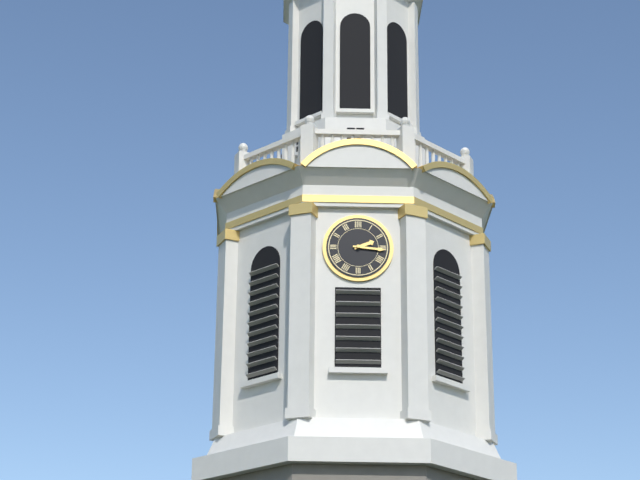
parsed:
2:16
